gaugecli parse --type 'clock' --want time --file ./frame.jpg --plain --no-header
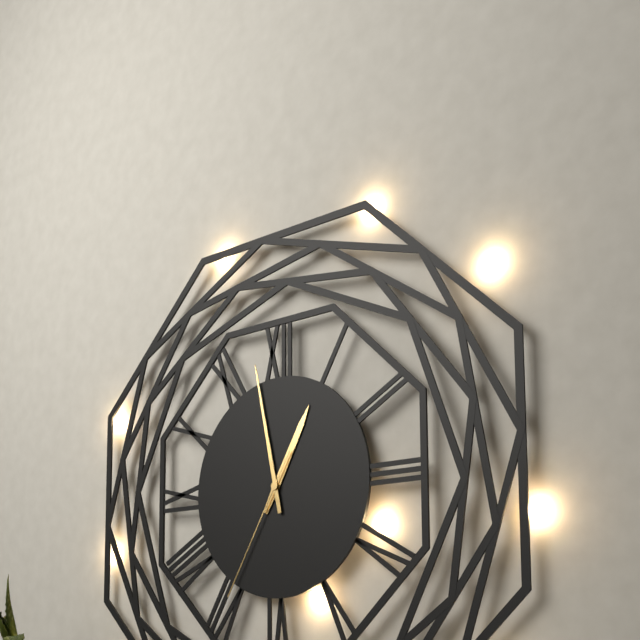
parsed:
12:58:35
